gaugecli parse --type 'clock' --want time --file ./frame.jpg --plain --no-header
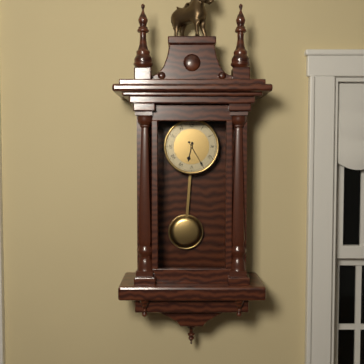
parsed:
6:25
